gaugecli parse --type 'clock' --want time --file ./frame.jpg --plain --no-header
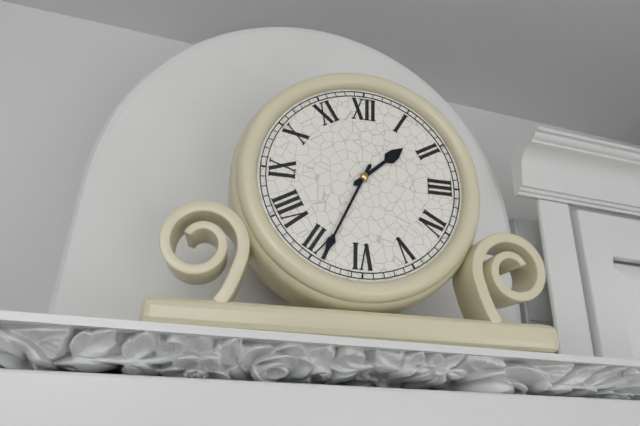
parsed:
1:34
